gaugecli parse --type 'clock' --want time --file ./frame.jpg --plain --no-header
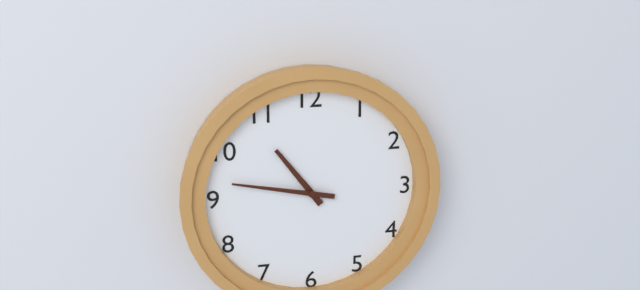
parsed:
10:47
